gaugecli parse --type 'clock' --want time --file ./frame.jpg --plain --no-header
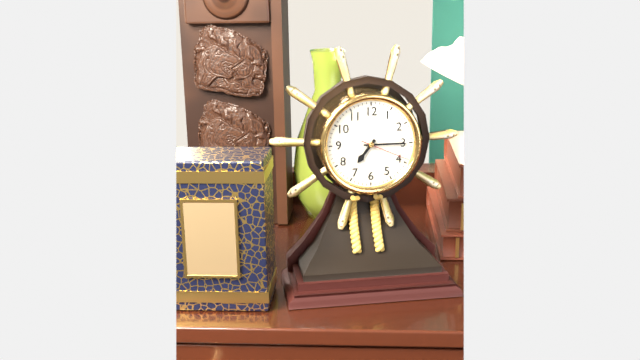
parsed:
7:15
